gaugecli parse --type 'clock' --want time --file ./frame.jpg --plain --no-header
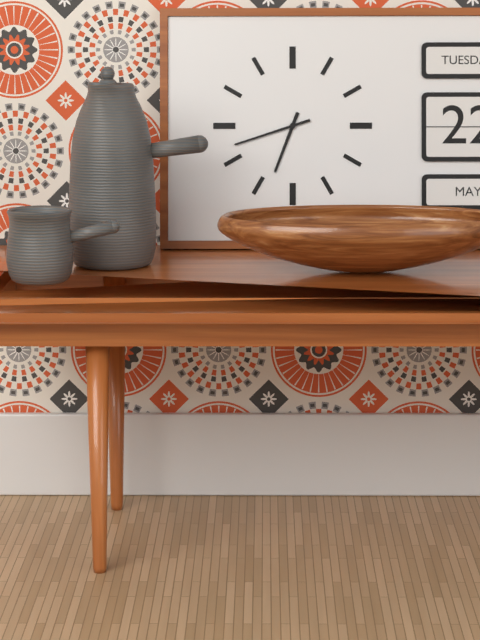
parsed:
6:42
